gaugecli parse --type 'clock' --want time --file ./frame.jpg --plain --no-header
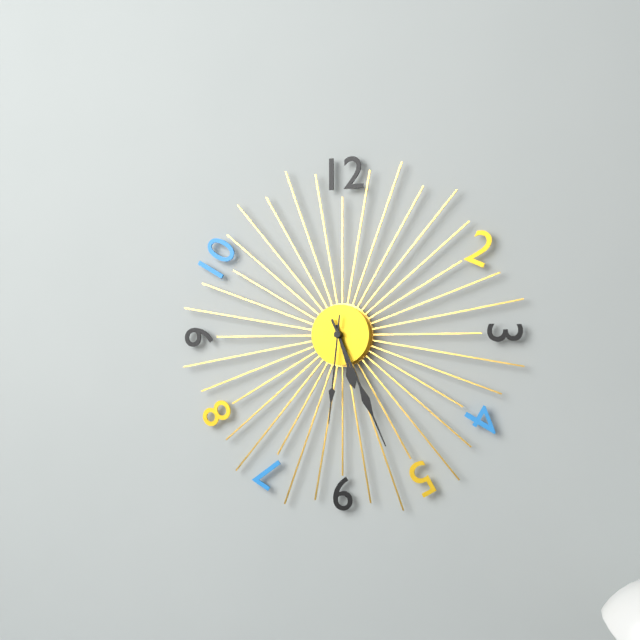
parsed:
5:26:31
